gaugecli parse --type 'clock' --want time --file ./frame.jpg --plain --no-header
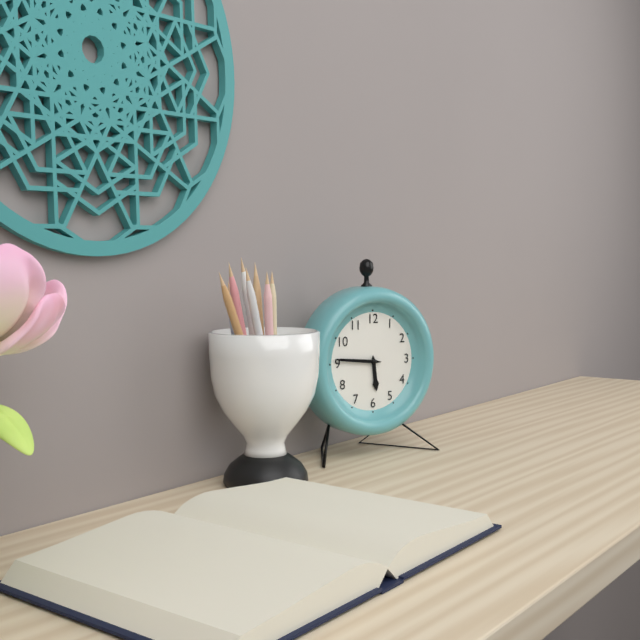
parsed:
5:46
